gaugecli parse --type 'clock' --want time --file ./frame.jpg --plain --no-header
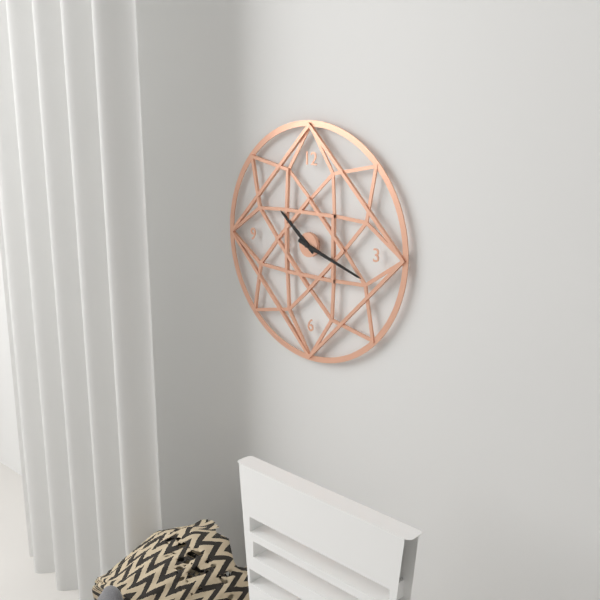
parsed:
10:18
